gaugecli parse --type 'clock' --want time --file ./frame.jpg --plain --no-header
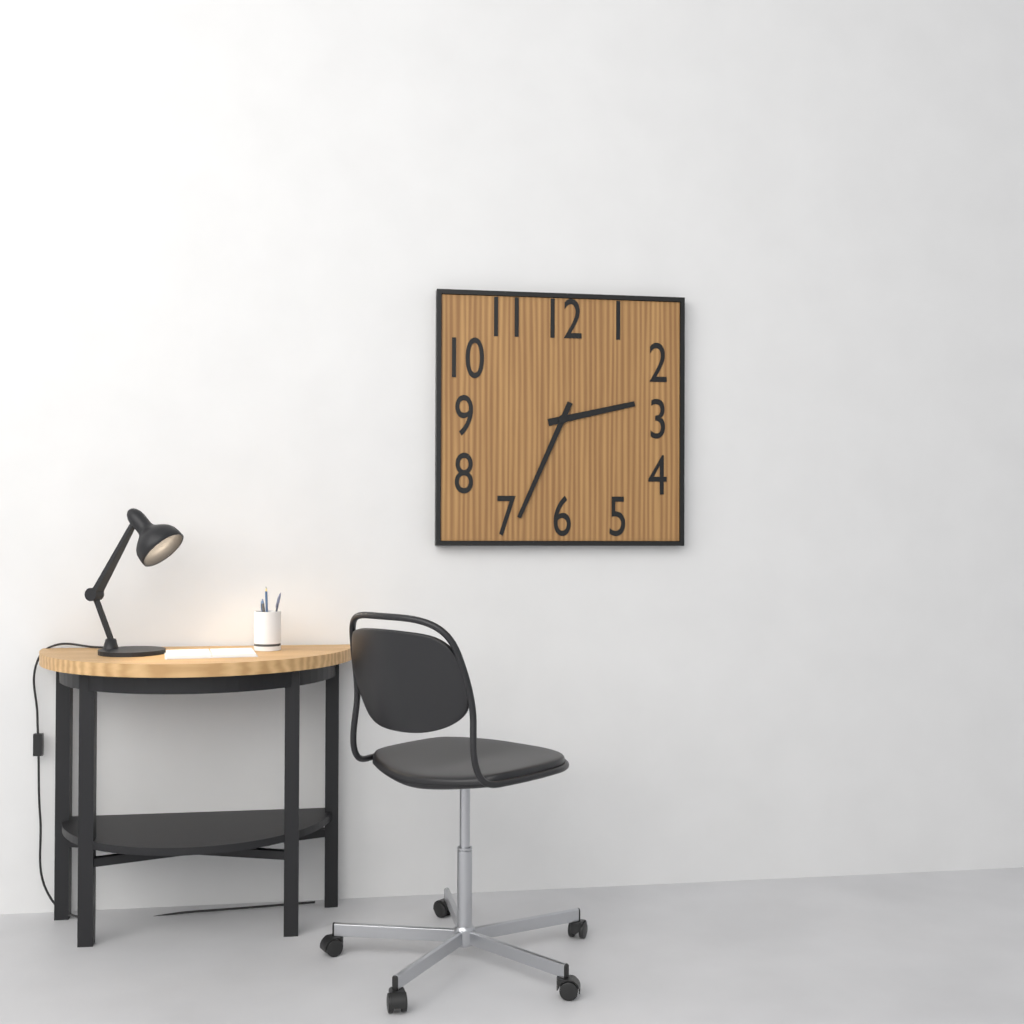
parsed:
2:34
